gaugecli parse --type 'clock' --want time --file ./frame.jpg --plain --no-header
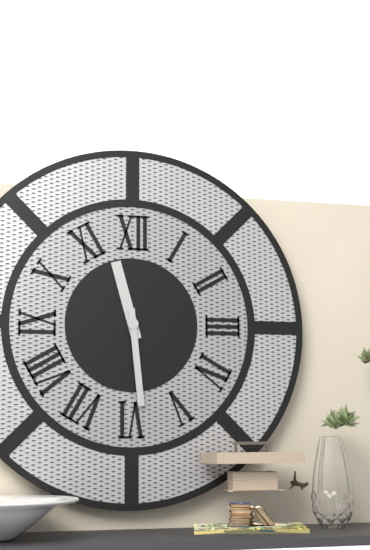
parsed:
11:29
